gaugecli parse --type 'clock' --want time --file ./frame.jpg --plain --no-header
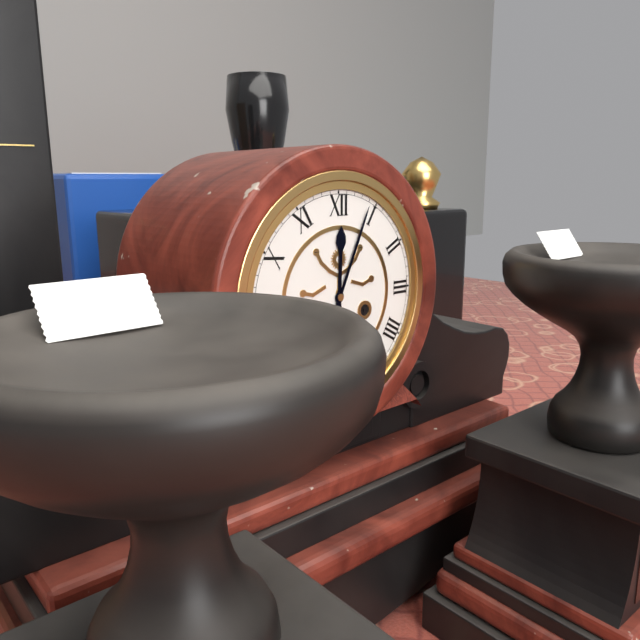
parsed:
12:04
